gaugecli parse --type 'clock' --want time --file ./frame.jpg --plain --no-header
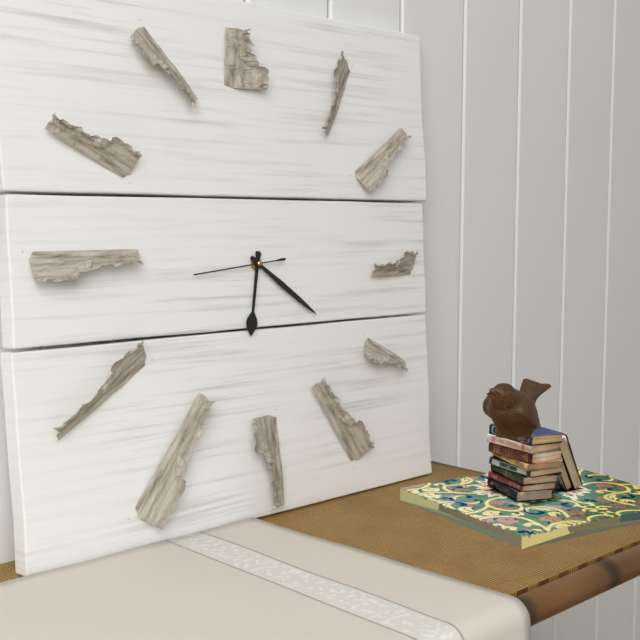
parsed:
6:21:44
